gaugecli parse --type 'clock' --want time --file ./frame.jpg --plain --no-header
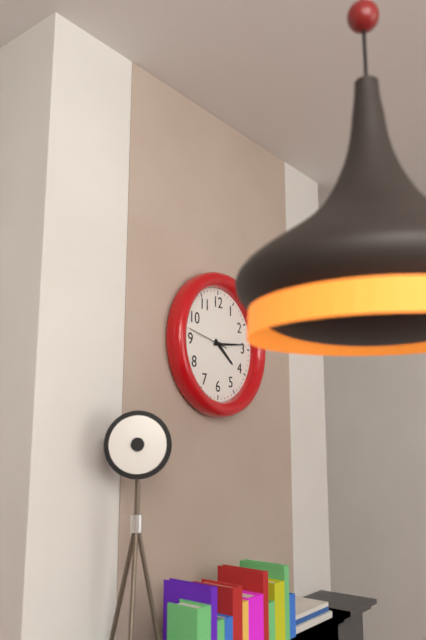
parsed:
4:14
